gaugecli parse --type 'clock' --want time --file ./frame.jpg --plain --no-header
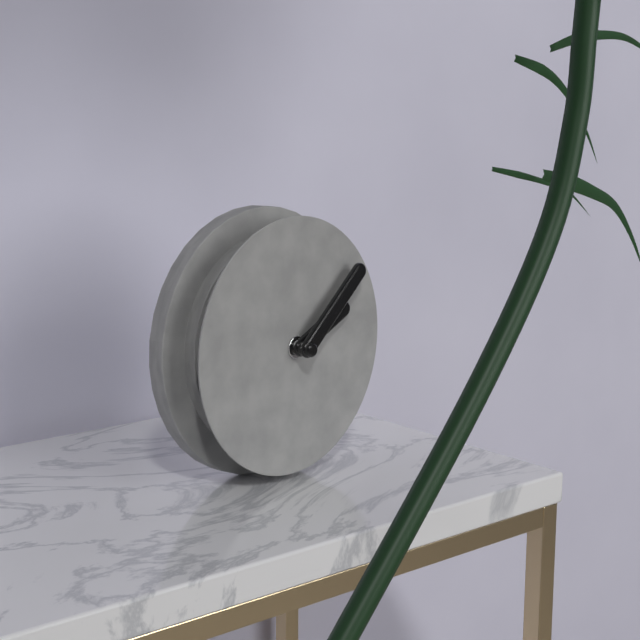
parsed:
2:08
